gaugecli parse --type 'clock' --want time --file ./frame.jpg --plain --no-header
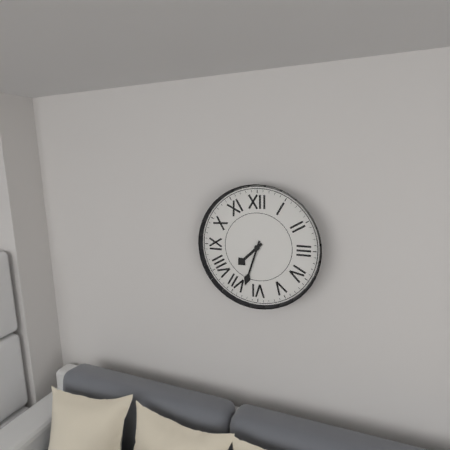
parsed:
7:33
